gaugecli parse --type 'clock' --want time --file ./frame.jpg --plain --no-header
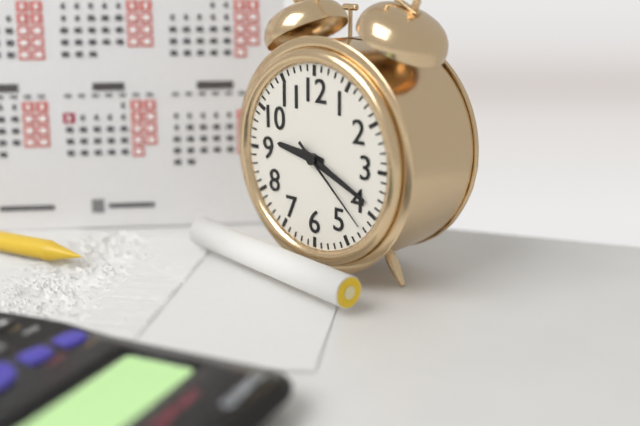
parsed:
9:19:22
